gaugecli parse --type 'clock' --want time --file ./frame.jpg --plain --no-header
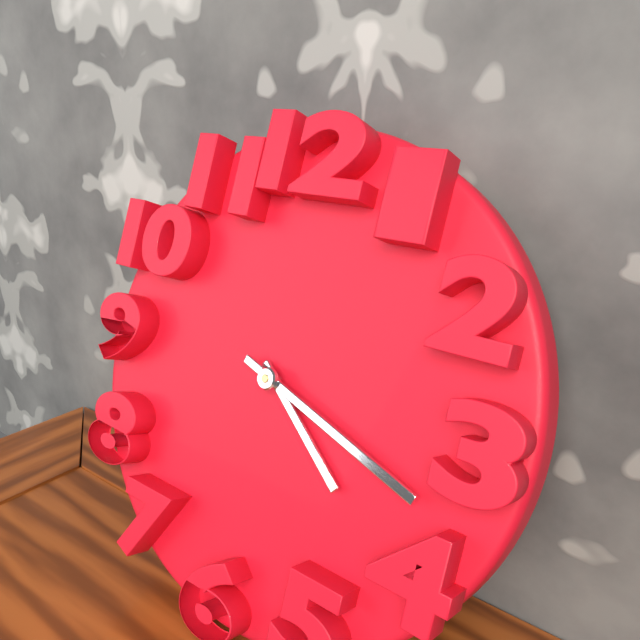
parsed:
4:18
